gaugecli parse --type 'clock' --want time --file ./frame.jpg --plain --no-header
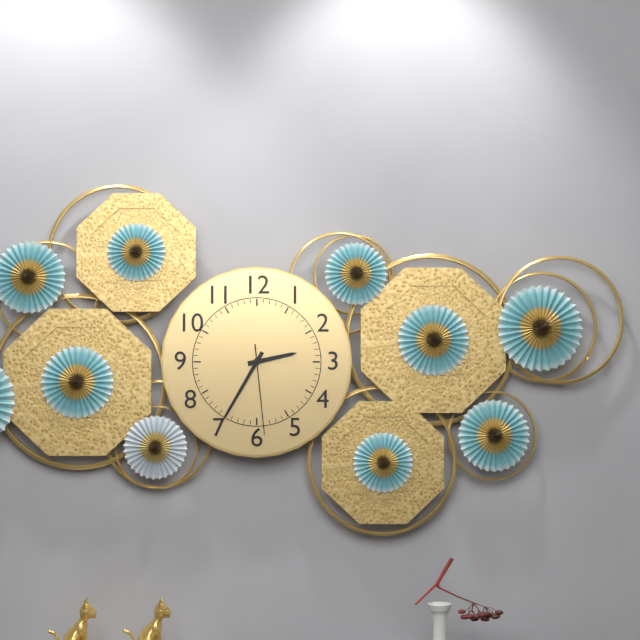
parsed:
2:35:29
